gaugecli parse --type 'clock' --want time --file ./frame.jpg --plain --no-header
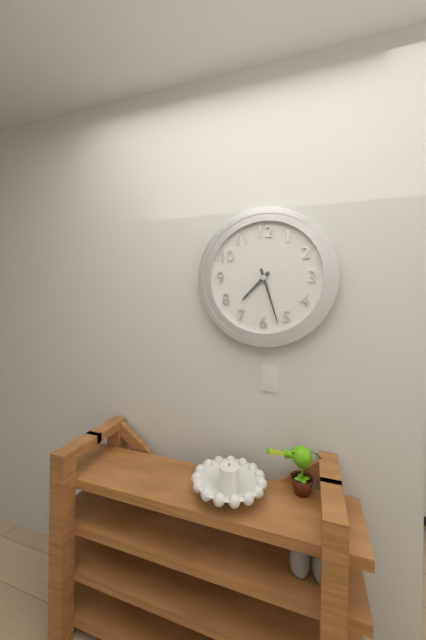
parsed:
7:27
